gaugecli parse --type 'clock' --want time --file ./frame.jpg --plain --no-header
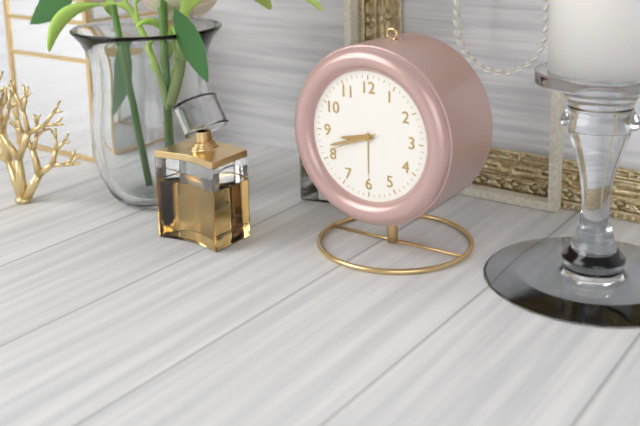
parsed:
8:42:41
